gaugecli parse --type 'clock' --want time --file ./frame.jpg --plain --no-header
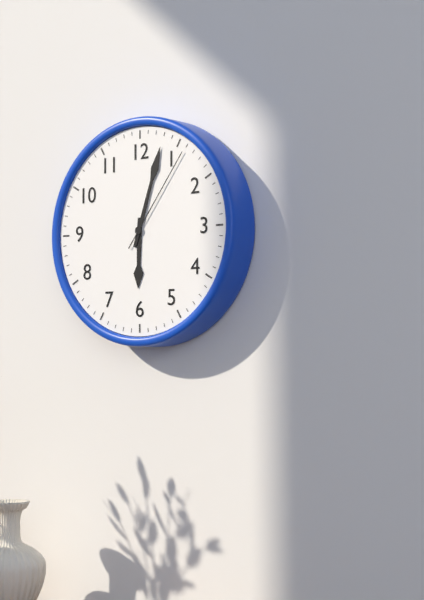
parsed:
6:03:06
